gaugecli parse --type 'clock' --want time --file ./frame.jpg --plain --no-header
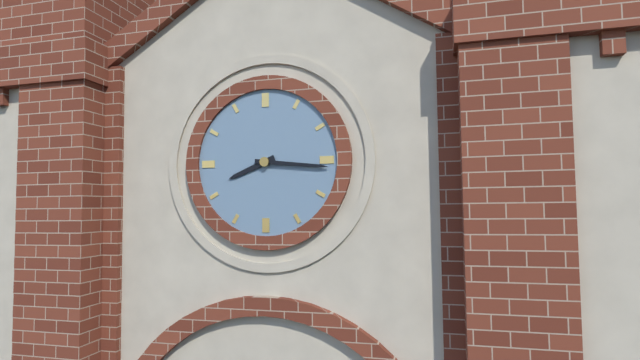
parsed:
8:16
